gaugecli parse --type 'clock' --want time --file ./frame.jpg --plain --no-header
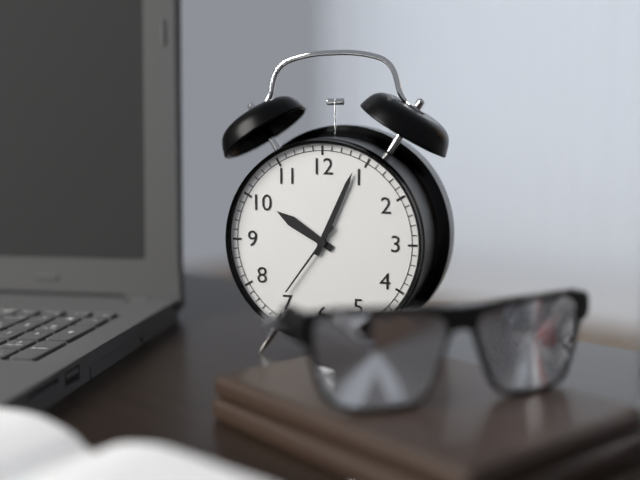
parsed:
10:04:36
